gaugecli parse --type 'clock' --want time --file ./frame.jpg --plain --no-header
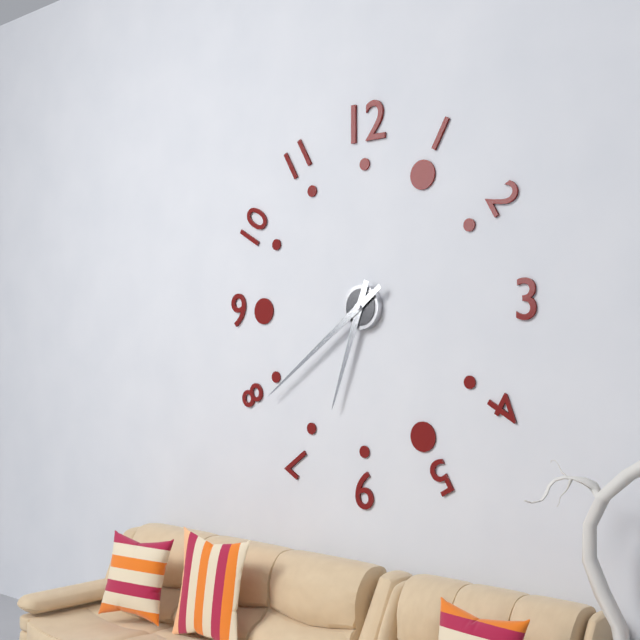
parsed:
6:39
